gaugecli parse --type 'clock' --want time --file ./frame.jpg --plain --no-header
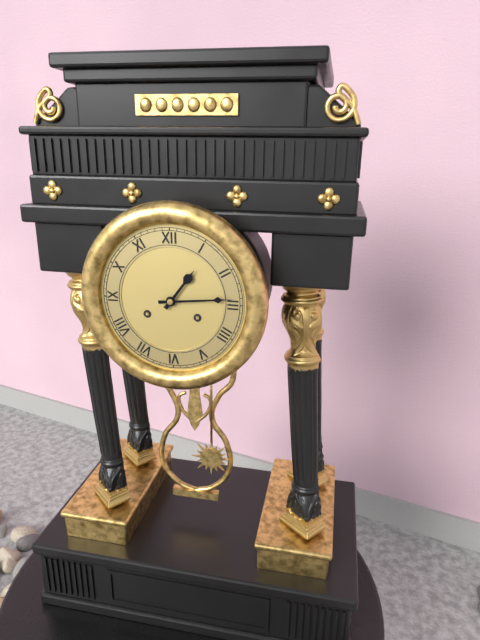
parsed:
1:14
